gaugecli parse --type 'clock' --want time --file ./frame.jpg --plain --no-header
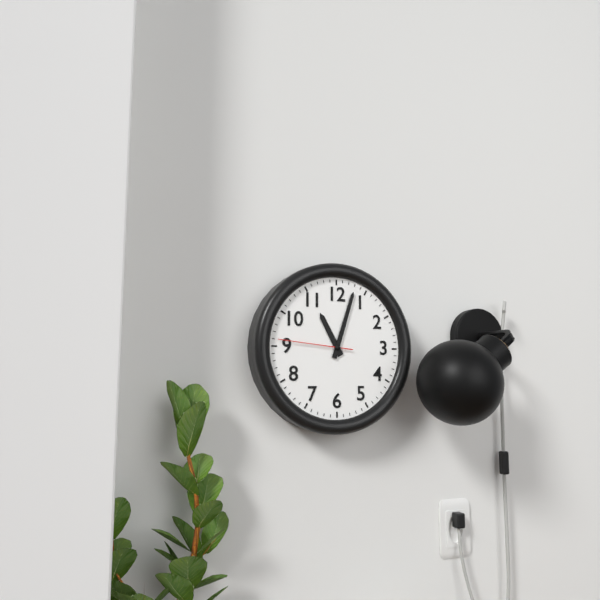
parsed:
11:03:46
